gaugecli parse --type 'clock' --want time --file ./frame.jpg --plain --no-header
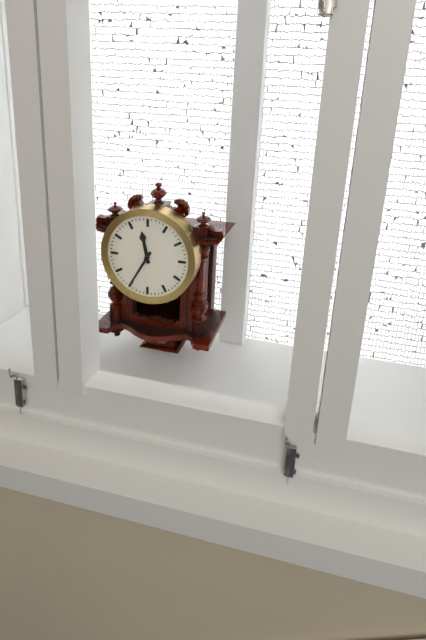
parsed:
11:35
